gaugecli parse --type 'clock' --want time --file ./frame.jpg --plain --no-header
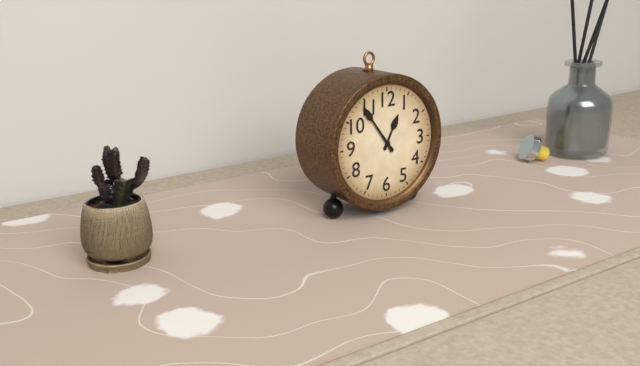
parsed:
12:54
